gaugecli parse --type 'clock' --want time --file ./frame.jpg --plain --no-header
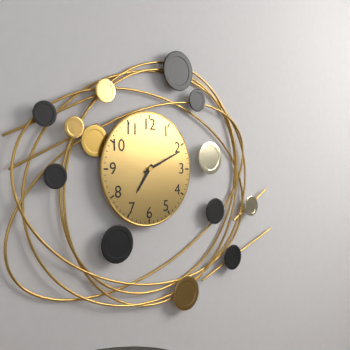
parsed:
7:11
